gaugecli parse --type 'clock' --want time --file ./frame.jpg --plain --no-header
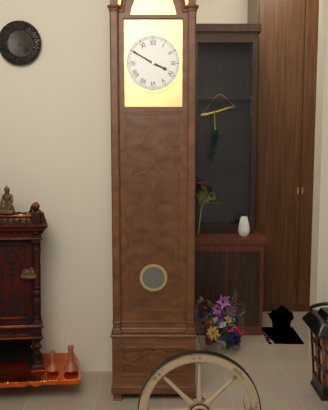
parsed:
3:50
